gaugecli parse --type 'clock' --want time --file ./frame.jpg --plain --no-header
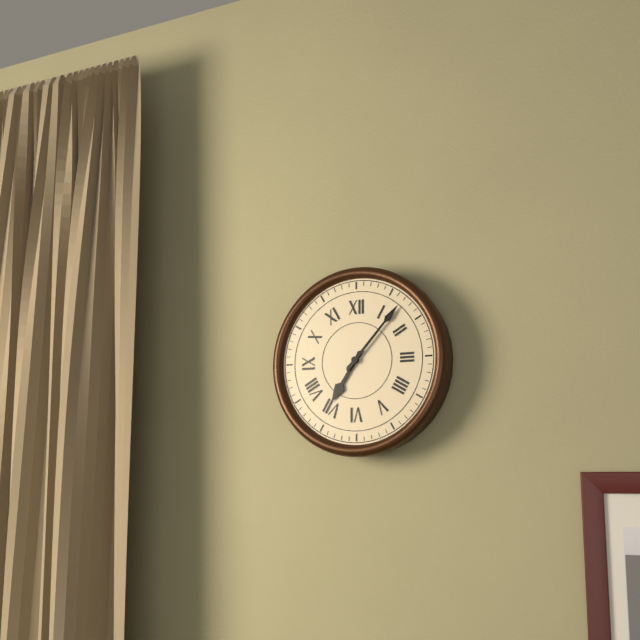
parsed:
7:07
